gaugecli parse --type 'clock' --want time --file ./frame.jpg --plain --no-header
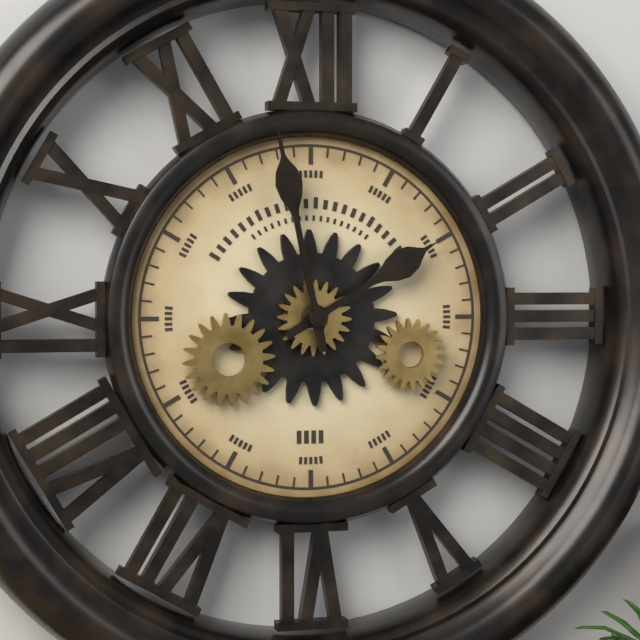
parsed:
1:58
